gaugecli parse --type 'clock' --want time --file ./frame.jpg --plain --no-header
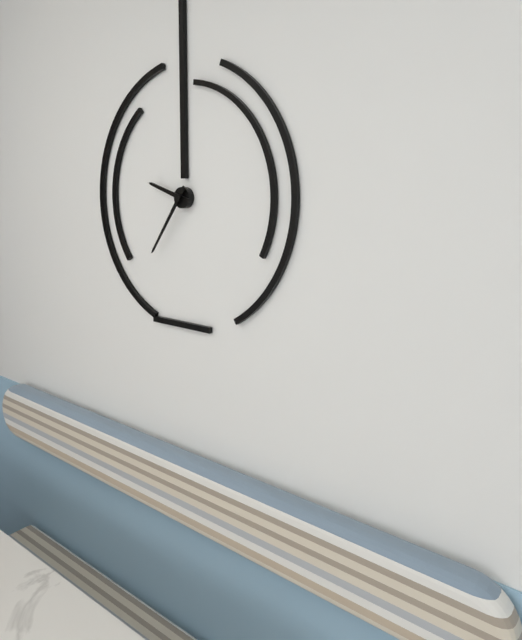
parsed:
9:36
